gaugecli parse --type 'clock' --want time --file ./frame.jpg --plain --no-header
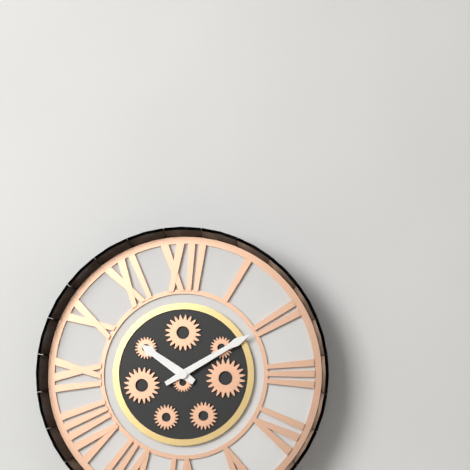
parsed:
10:10
